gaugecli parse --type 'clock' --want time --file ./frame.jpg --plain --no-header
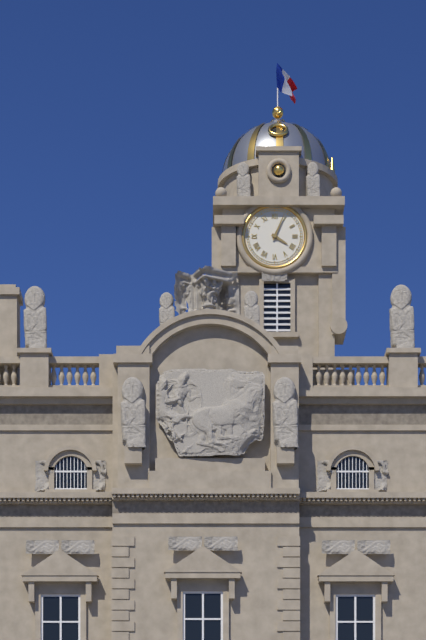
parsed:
4:04
